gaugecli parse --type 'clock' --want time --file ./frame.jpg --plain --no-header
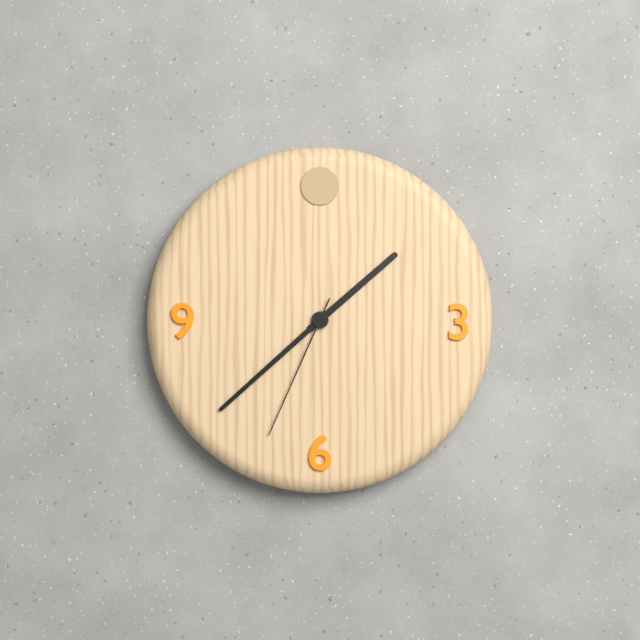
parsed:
1:38:34
